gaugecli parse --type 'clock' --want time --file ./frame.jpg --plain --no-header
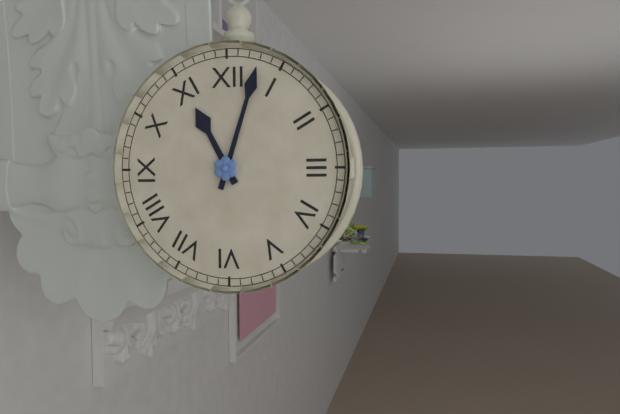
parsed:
11:03
